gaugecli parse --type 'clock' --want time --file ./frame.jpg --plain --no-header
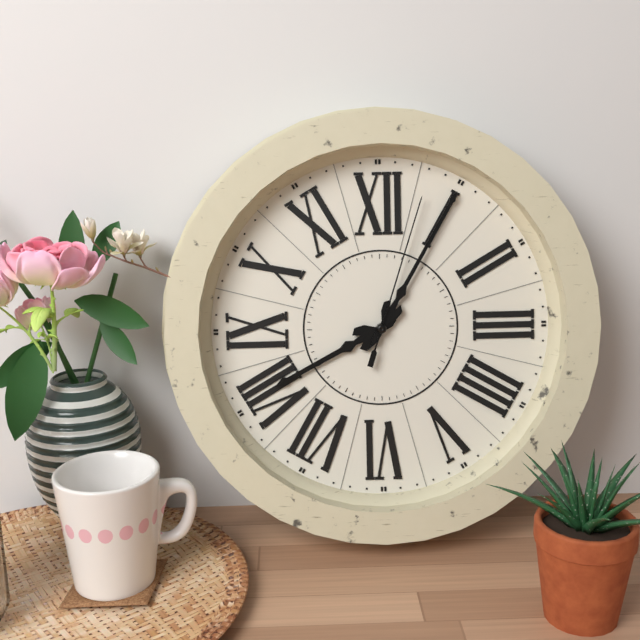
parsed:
8:05:03
